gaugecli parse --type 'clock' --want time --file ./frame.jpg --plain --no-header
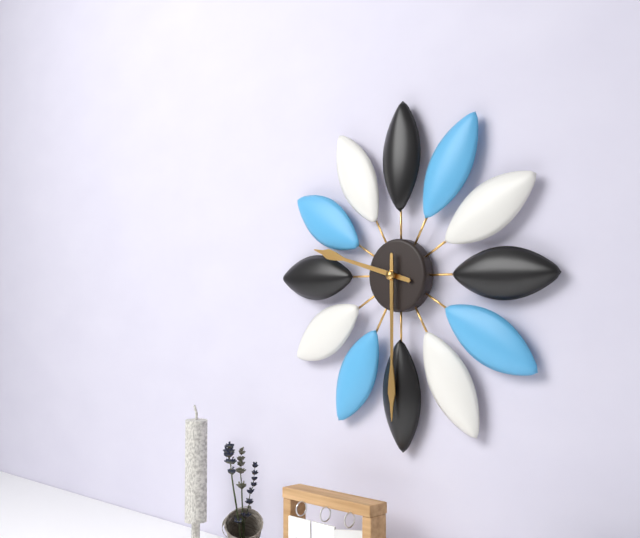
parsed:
9:30
